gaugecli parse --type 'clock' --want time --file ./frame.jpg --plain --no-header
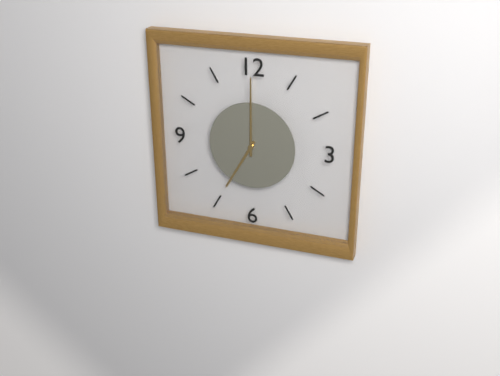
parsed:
7:00
